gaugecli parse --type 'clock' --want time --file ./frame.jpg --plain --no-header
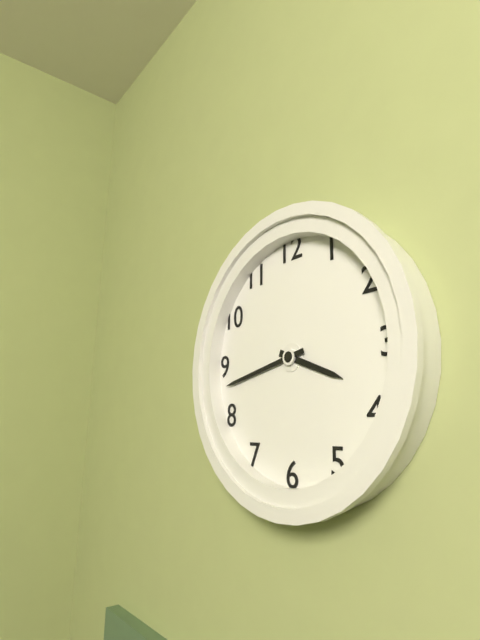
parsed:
3:43
